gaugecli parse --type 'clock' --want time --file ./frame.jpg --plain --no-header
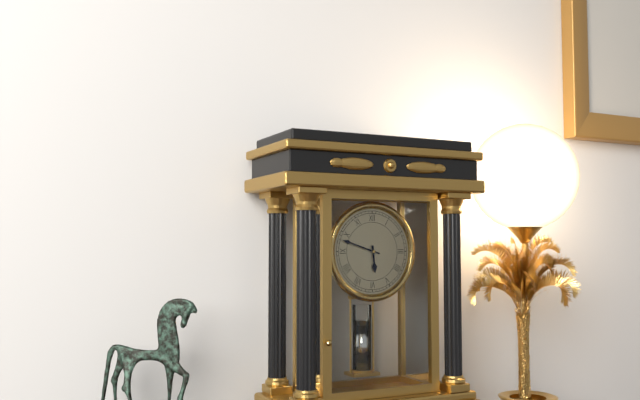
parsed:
5:48
